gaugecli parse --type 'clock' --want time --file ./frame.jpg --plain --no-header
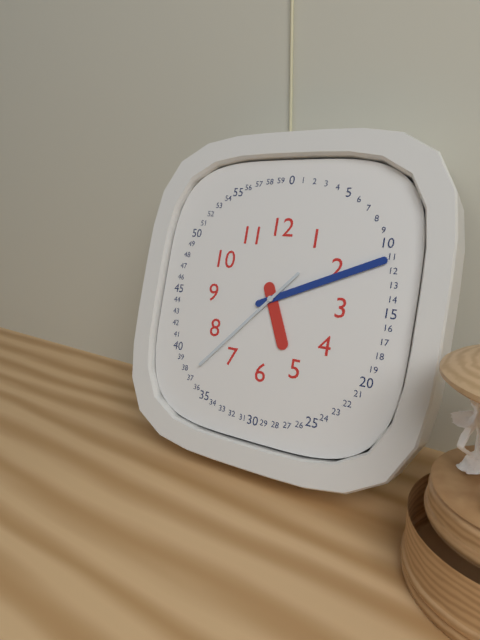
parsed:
5:11:37
